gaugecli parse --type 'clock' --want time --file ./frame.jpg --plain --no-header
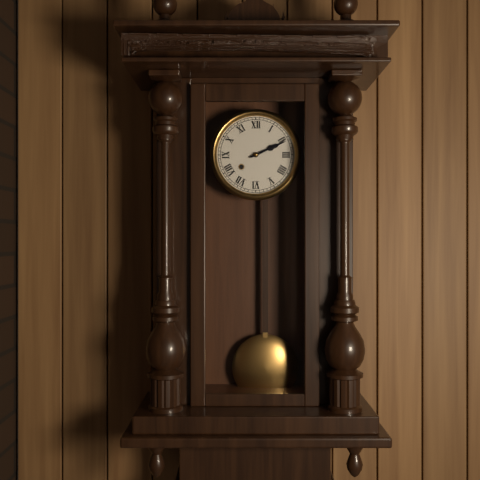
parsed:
2:11
